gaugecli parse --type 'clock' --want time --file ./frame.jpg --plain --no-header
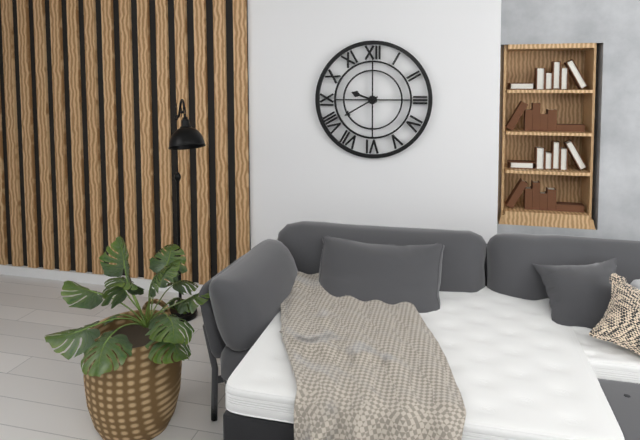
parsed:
9:40
